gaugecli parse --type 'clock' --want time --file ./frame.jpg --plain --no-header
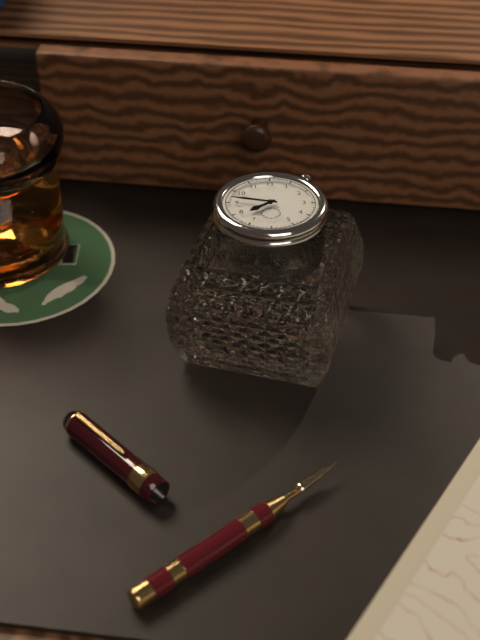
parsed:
7:47
